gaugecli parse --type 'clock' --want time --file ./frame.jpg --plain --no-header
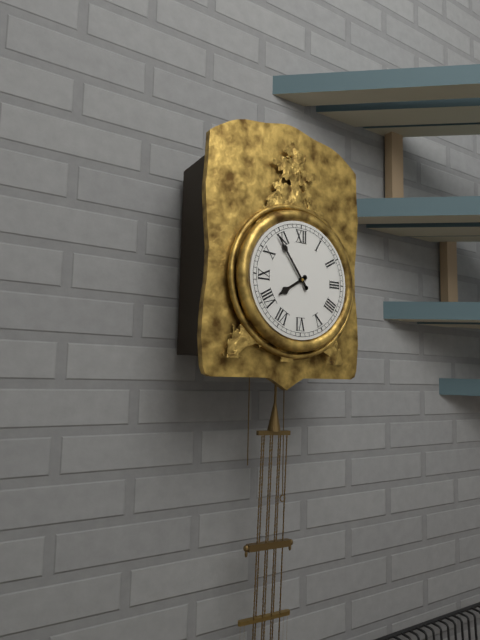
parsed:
7:54
